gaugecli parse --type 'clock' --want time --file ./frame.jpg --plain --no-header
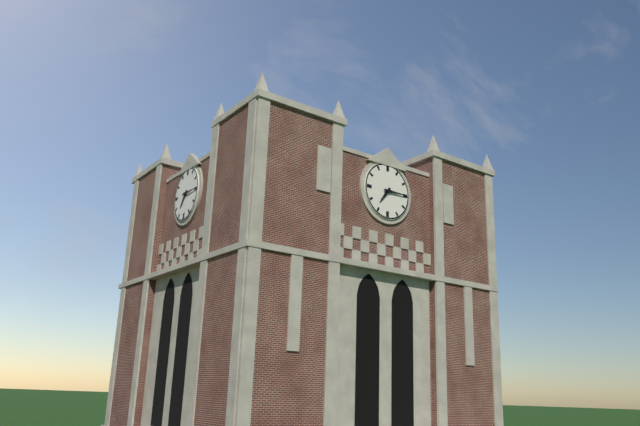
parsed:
7:15
